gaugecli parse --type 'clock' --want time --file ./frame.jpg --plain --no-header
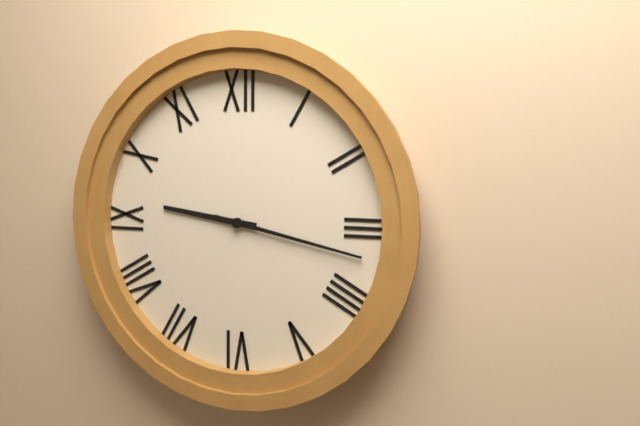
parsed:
9:17
